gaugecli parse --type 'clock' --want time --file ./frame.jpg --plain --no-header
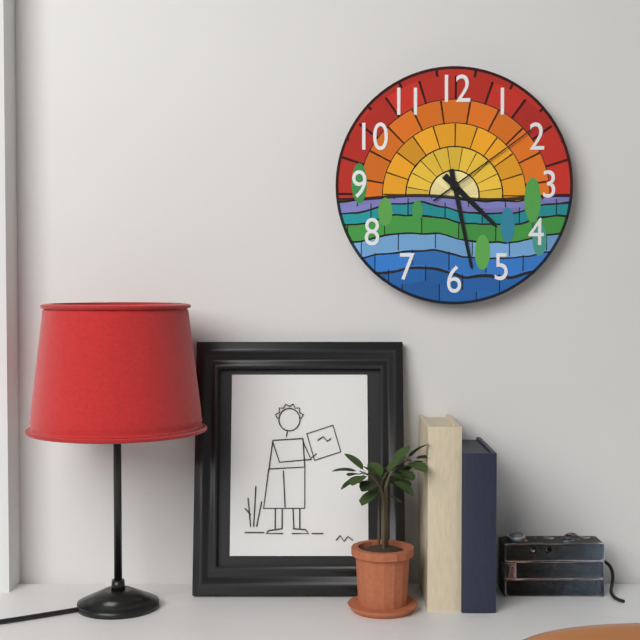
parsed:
4:28:09
